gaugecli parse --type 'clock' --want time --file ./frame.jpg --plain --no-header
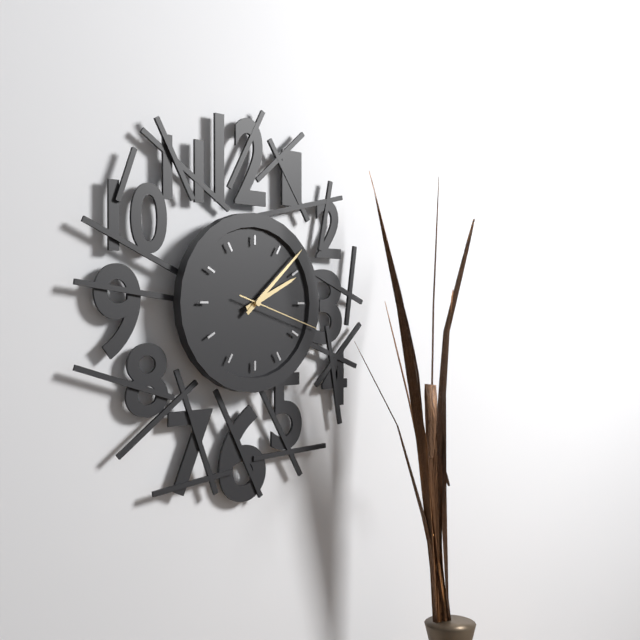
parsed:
2:08:18
